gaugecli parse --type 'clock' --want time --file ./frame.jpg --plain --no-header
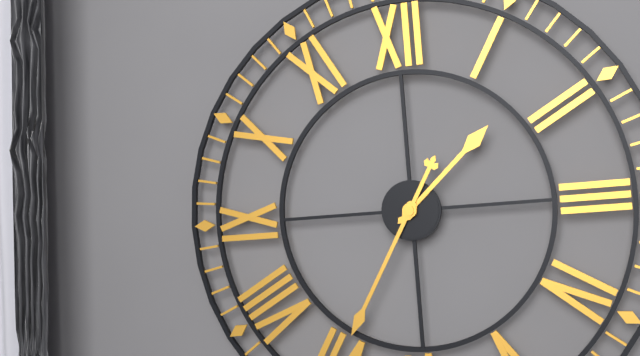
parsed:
1:35
